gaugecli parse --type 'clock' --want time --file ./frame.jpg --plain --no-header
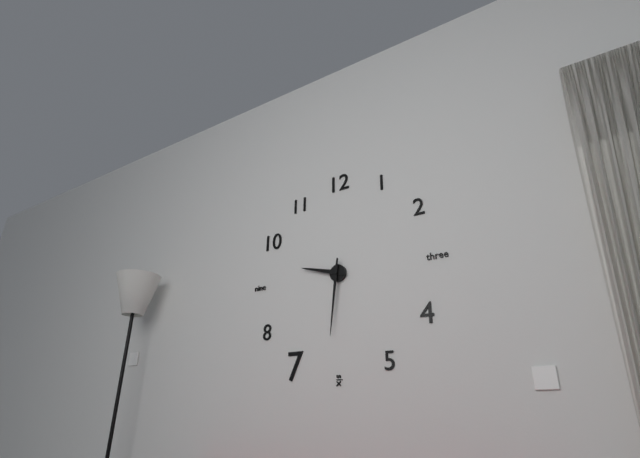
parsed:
9:31
